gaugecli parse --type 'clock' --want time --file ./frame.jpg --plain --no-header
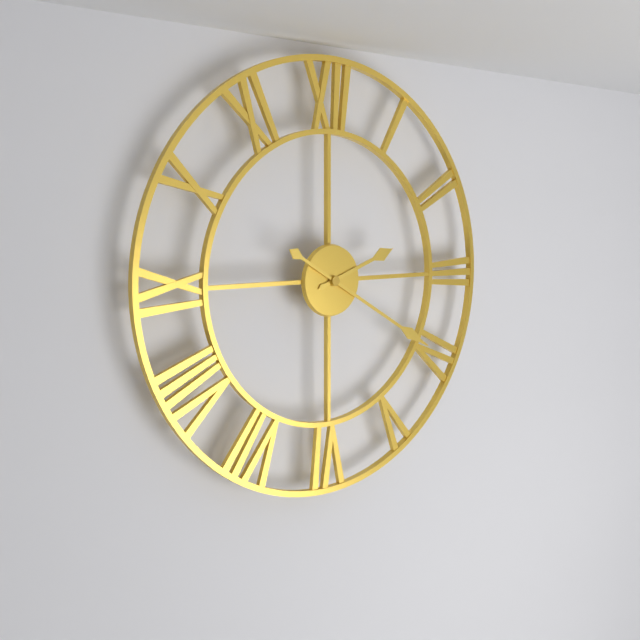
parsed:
2:20
